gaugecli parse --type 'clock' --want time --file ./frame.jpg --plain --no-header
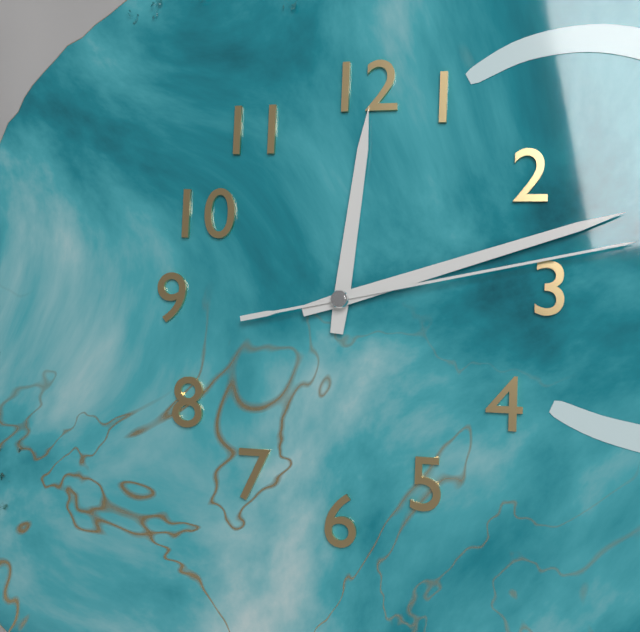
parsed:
12:12:13
